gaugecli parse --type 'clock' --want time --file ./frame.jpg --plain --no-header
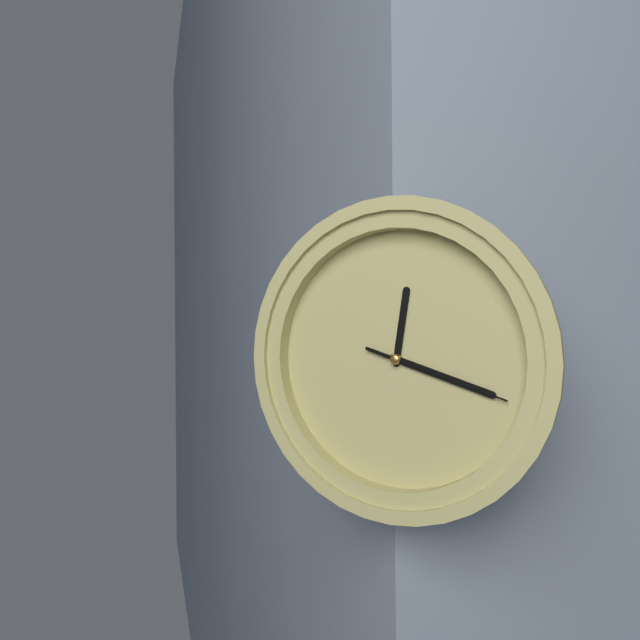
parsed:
12:18:18
